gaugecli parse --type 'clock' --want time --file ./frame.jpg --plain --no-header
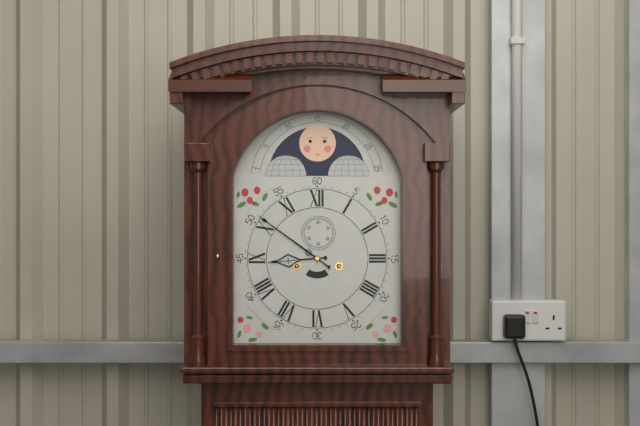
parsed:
8:51
